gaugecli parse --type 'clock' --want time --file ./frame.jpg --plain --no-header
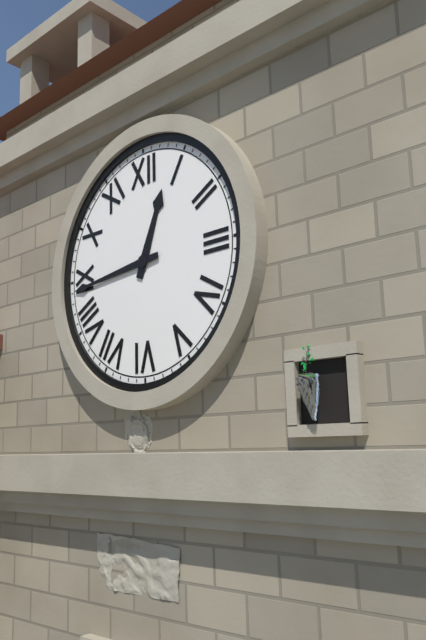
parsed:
12:44
